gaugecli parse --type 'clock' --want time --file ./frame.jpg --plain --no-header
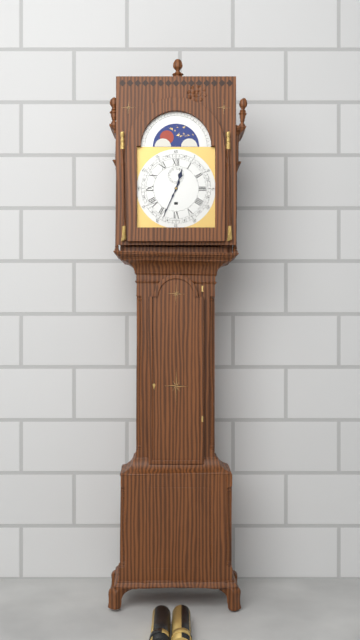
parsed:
12:34
